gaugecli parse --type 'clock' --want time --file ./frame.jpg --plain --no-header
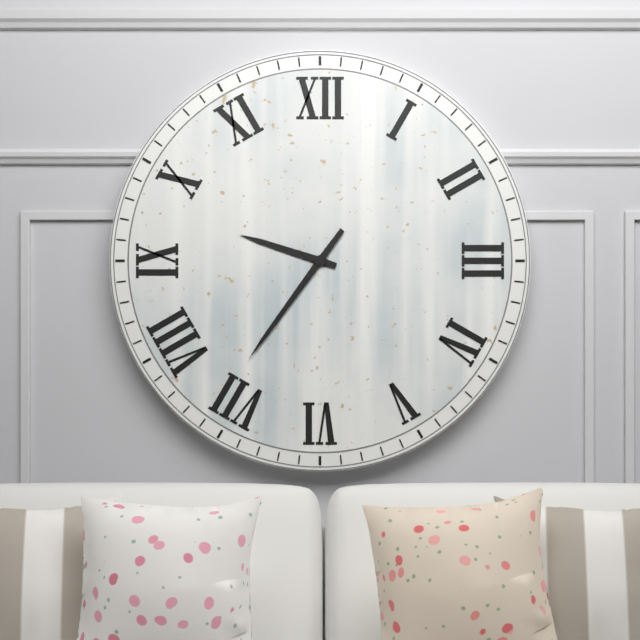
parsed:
9:36
